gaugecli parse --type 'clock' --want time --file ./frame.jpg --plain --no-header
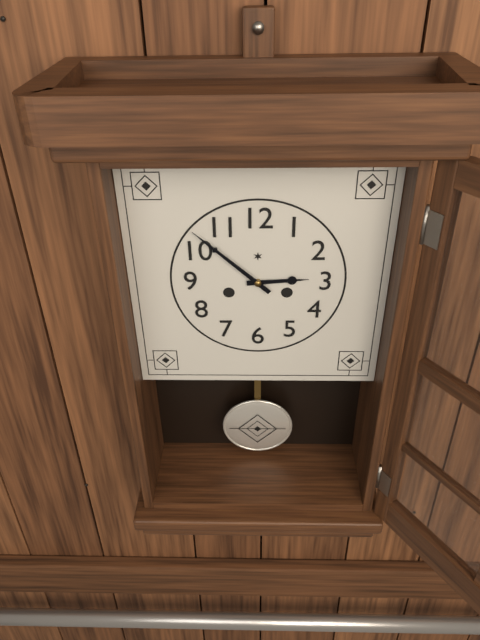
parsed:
2:52
